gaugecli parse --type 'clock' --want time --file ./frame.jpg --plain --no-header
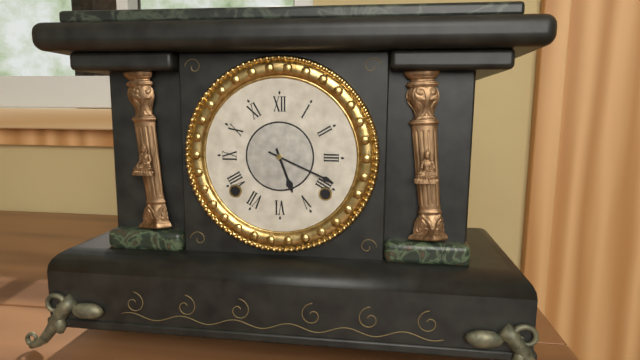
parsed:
5:19
